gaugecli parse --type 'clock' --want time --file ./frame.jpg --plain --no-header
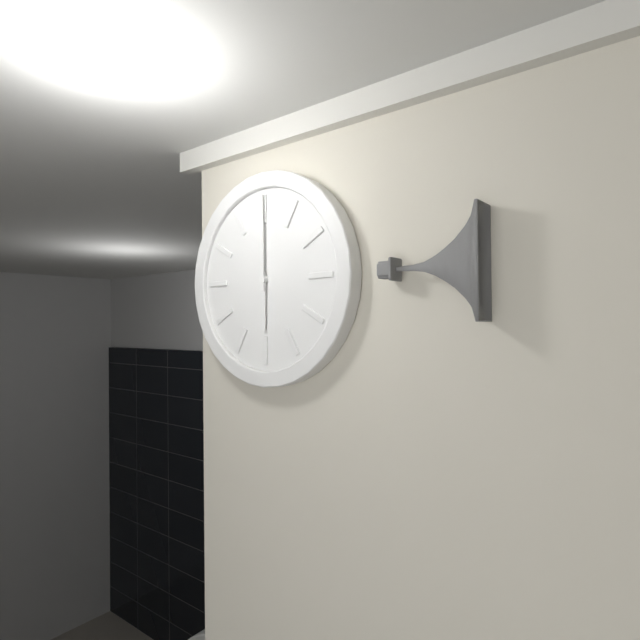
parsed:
6:00
